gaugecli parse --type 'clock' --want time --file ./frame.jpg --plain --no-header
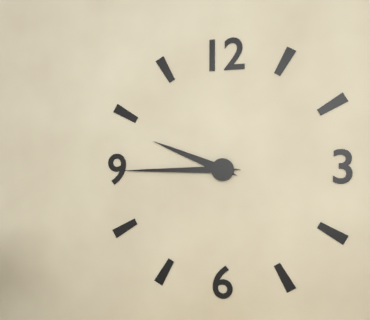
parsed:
9:45
